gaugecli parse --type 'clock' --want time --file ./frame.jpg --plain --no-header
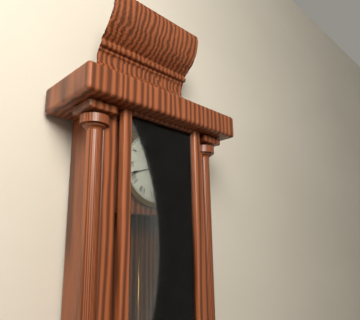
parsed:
5:42
